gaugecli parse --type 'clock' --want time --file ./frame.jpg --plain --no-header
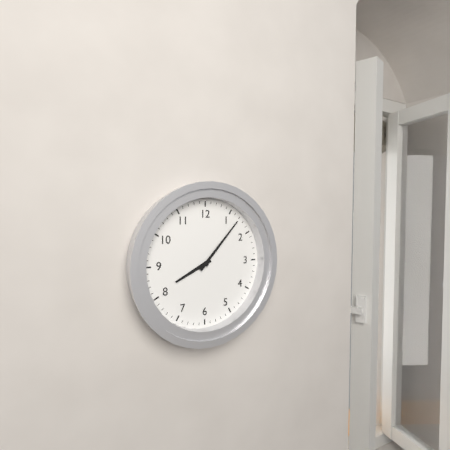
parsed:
8:07
